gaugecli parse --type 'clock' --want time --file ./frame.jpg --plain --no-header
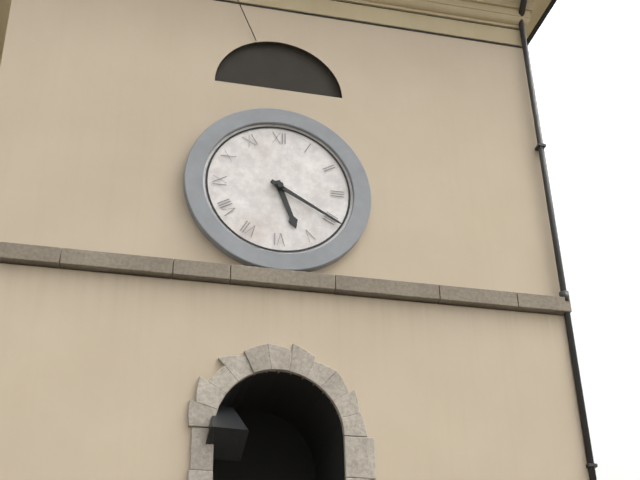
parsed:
5:20
